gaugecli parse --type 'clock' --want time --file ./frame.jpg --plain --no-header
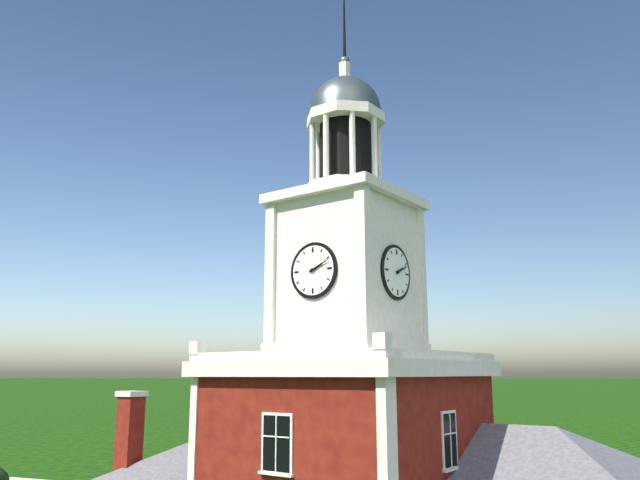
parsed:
2:11
